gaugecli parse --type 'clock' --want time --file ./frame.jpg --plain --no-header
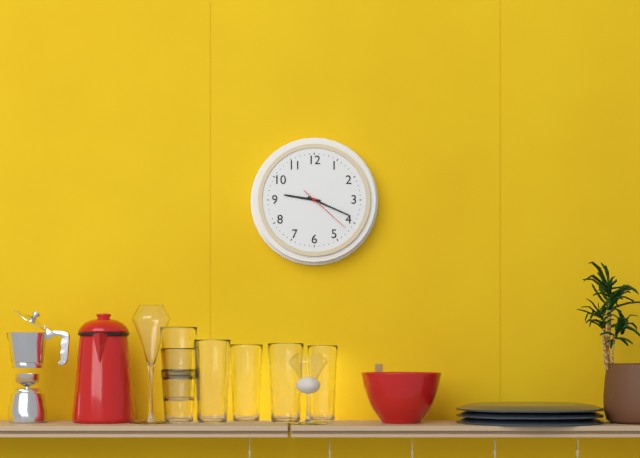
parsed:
9:19:22
